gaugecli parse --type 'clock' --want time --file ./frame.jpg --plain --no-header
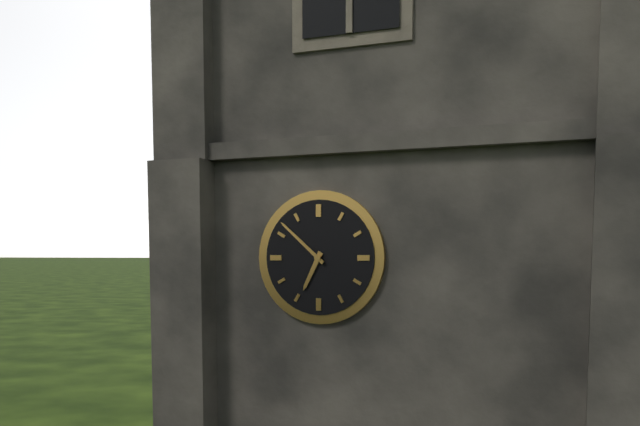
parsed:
6:52
